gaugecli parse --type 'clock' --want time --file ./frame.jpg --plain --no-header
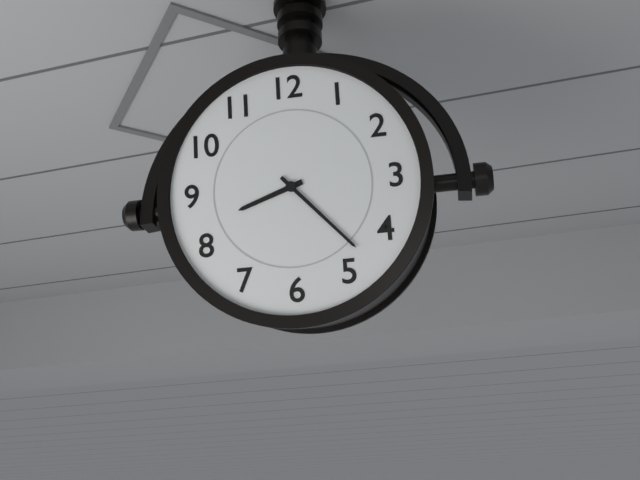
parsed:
8:23
